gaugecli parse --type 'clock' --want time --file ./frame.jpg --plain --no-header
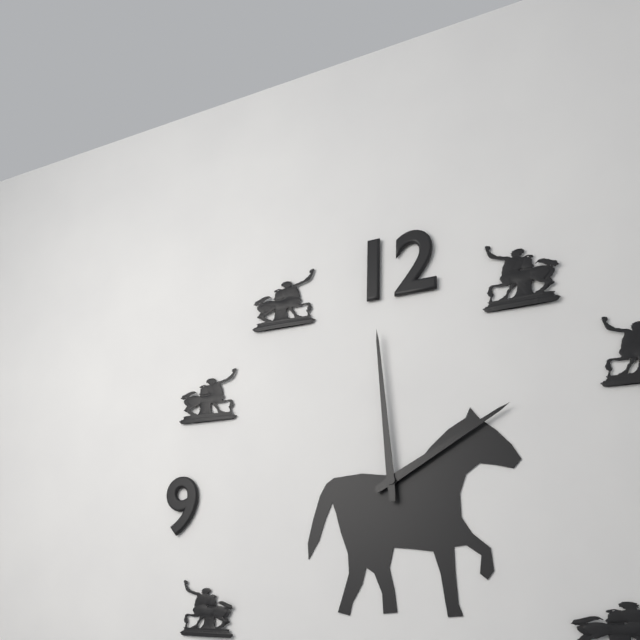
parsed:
1:59
